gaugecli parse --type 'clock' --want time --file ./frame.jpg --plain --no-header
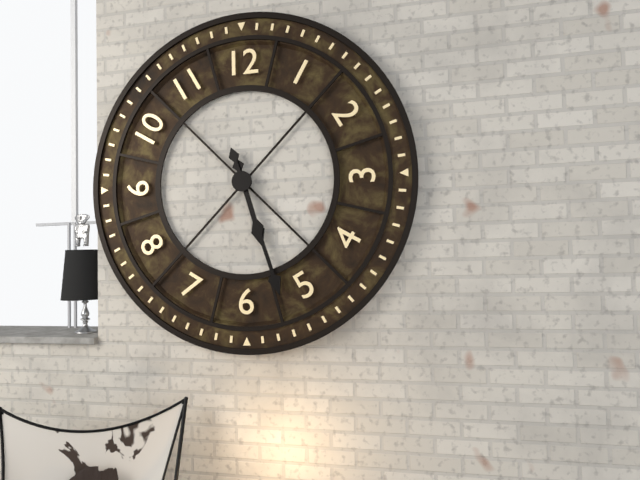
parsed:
5:27
